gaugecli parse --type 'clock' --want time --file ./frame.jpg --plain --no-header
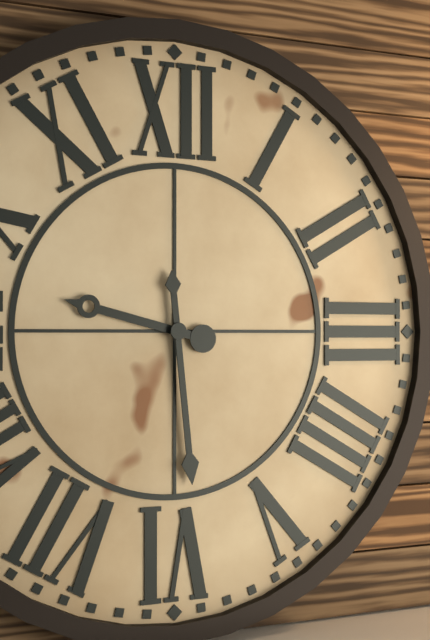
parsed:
9:29
